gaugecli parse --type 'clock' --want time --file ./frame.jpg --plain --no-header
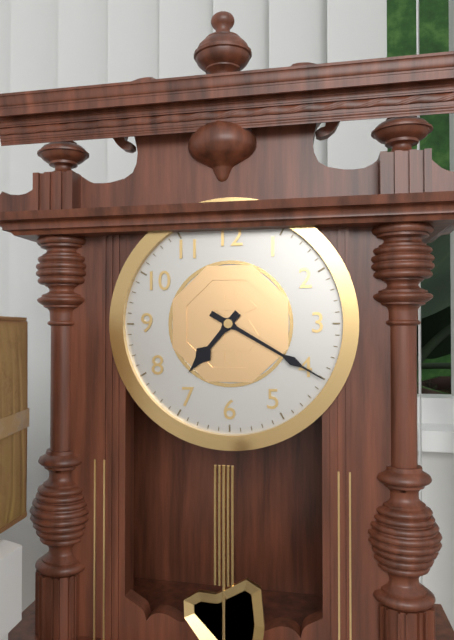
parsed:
7:20
